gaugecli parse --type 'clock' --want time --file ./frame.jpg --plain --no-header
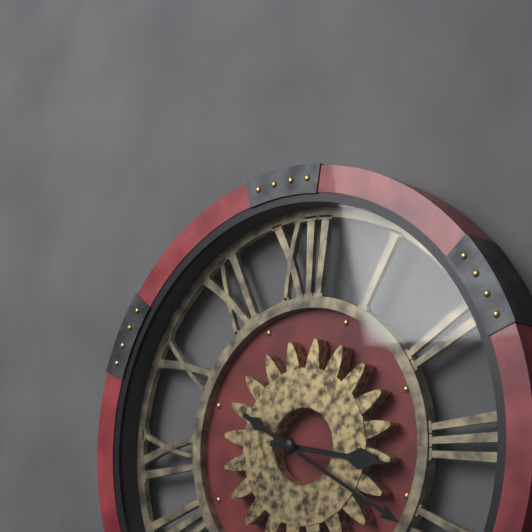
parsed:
3:20
